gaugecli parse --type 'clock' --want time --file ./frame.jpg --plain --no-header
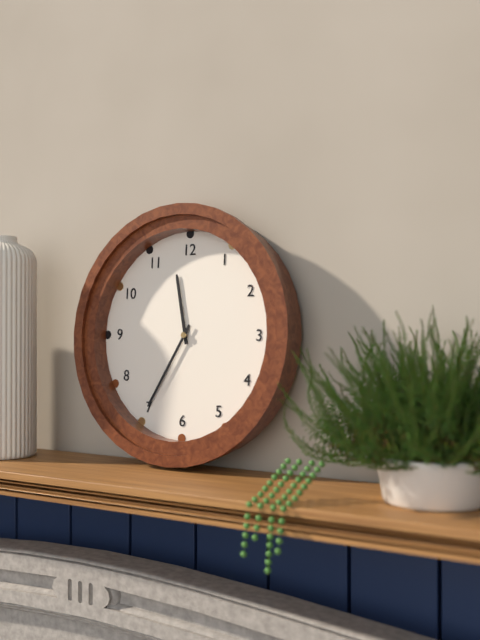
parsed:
11:35
